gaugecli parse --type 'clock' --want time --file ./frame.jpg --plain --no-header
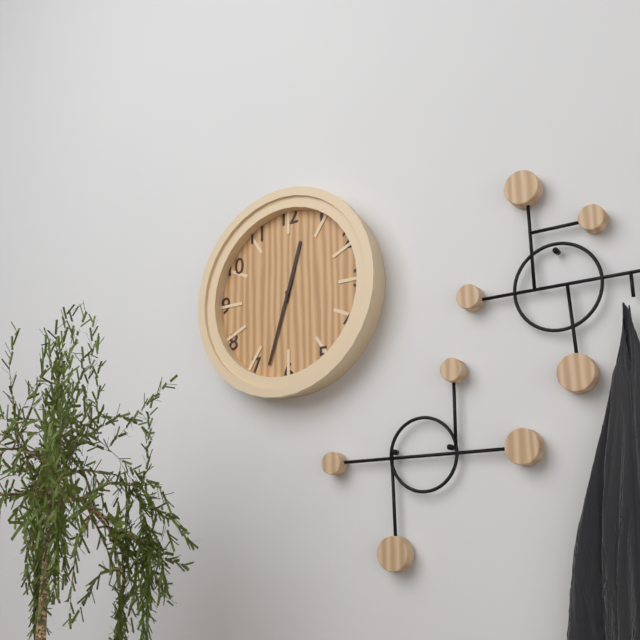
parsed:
12:33
